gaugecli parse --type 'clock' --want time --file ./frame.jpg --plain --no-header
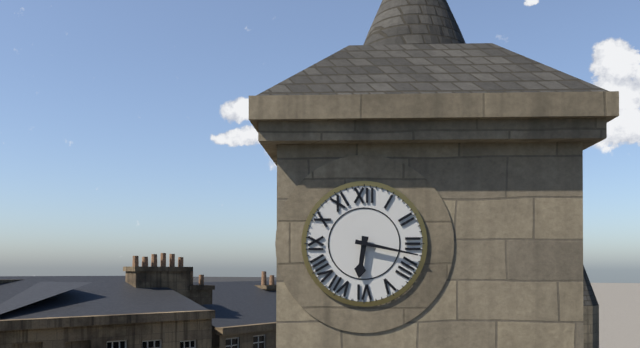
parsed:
6:17
